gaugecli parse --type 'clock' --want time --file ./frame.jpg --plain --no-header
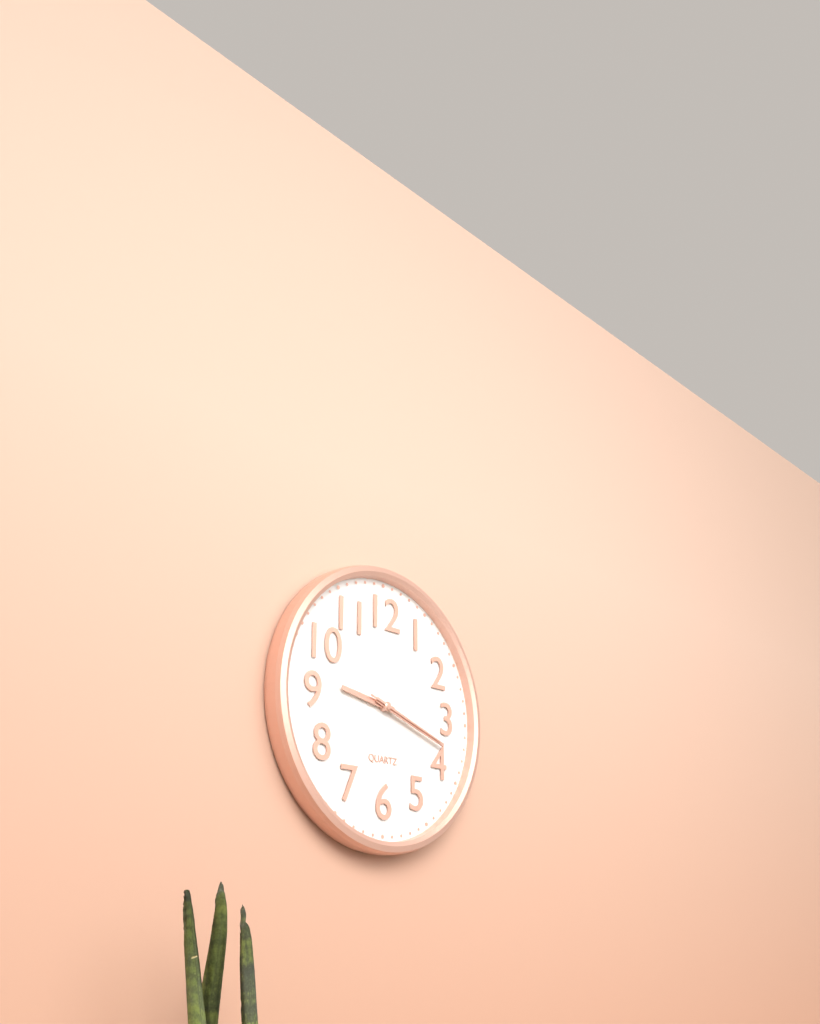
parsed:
9:18:18
